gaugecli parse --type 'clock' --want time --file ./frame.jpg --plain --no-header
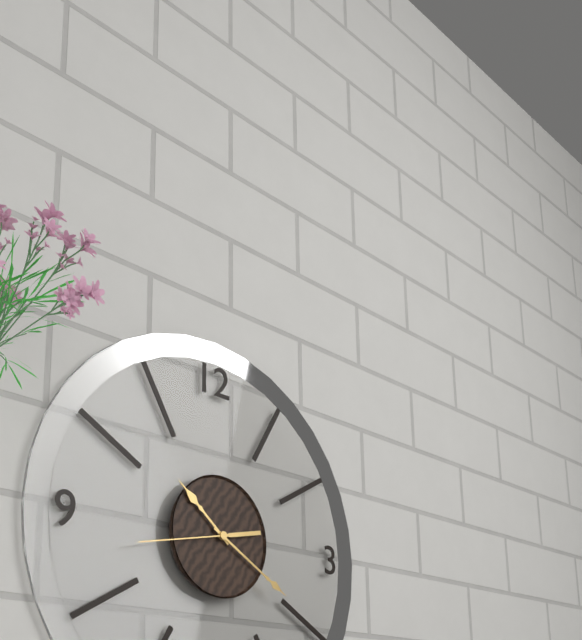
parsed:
10:20:43
